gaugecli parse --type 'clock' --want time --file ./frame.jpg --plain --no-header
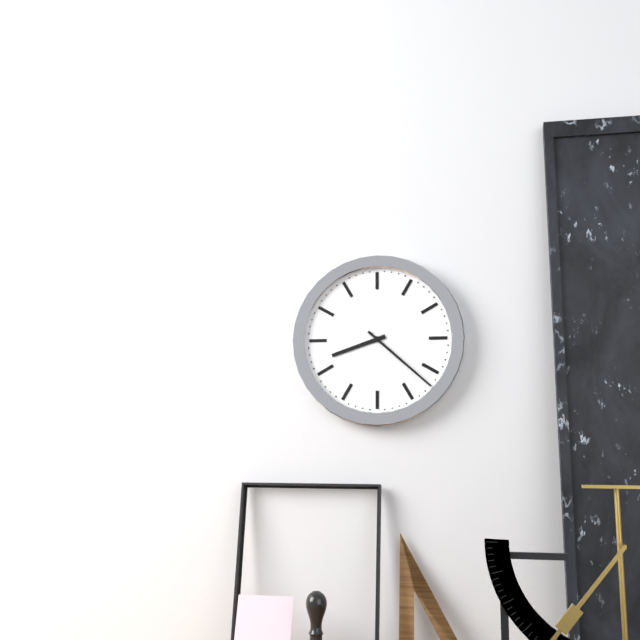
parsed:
8:22
